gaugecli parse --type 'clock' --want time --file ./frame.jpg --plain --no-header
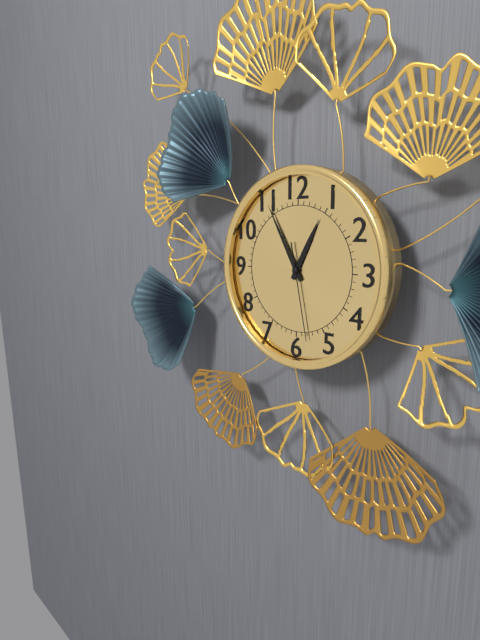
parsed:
12:55:28
